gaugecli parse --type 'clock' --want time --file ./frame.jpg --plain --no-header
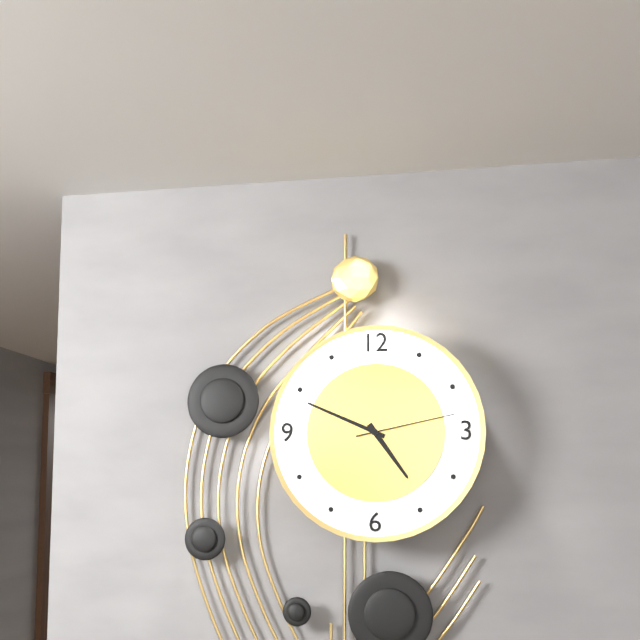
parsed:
4:49:13
